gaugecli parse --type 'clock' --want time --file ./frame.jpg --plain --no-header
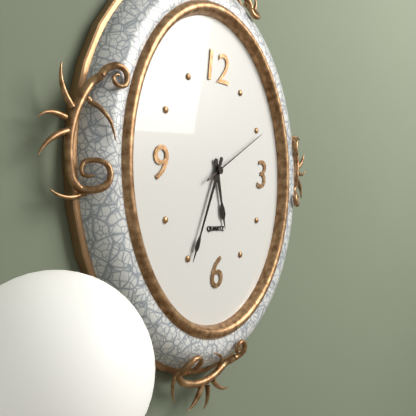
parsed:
5:34:10
